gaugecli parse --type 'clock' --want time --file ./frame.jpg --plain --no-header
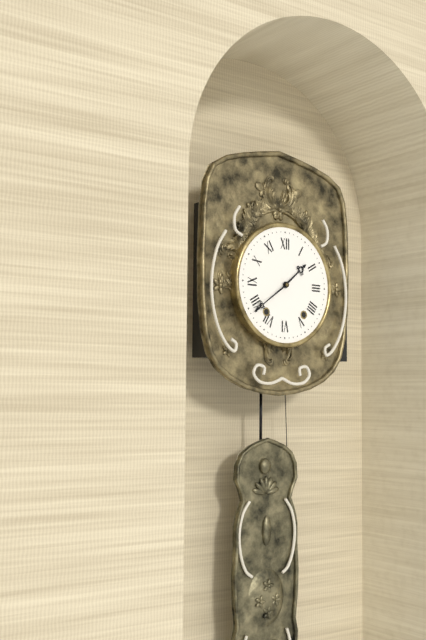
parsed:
1:39
